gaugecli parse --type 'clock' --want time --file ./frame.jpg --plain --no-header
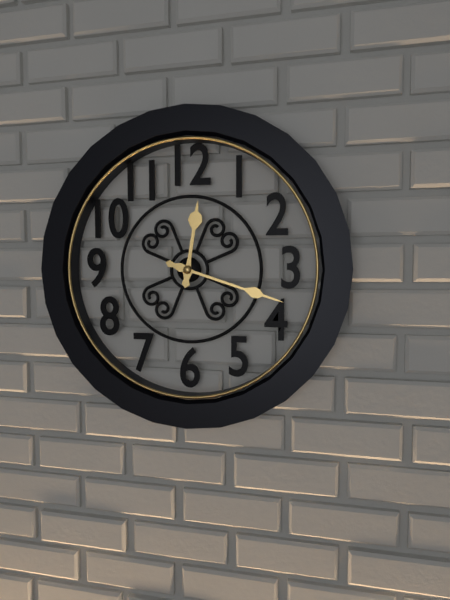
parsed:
12:18
